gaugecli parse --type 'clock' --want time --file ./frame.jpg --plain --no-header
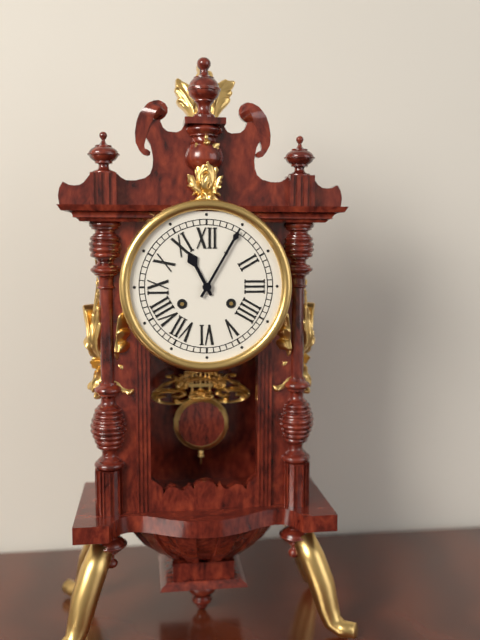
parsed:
11:05
